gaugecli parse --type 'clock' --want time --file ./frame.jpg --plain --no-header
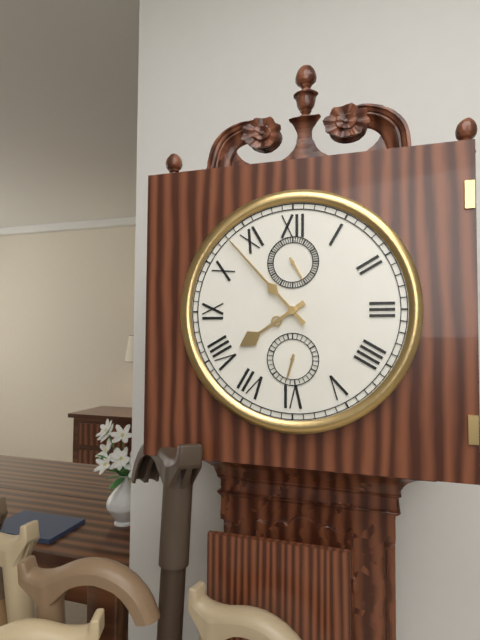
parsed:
7:53
